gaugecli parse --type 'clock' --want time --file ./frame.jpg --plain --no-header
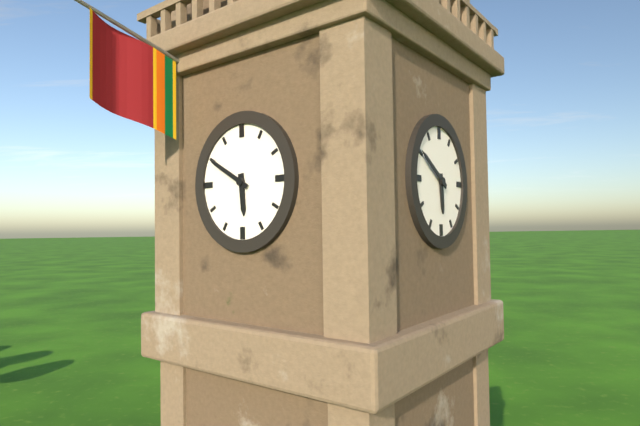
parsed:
5:50
